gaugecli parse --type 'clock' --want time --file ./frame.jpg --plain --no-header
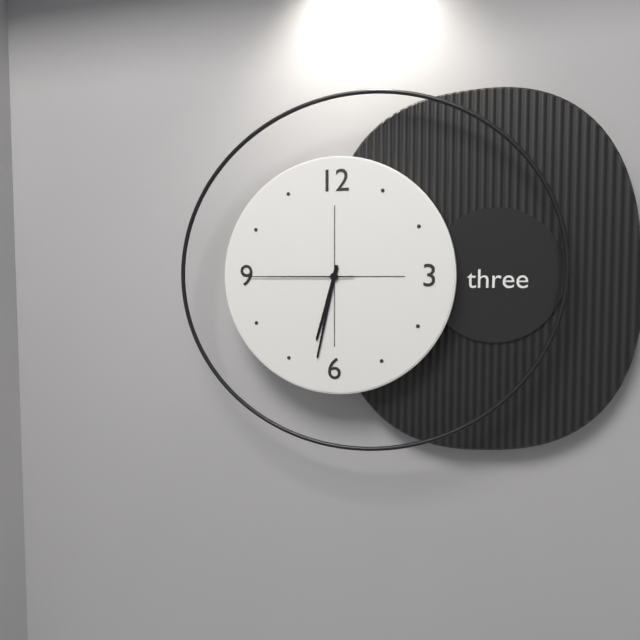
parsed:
6:32:45
